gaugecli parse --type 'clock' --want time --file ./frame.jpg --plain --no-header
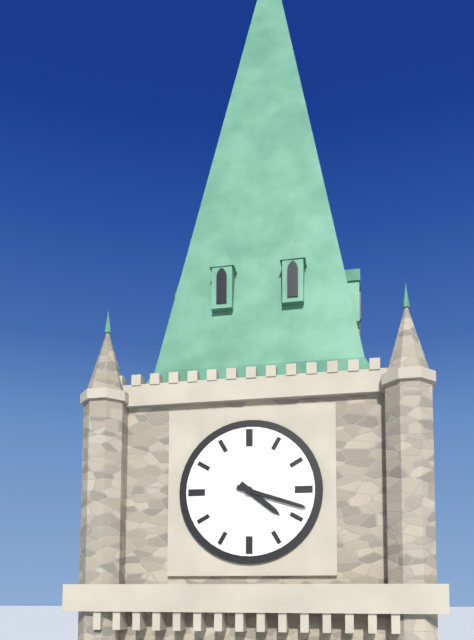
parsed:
4:18
